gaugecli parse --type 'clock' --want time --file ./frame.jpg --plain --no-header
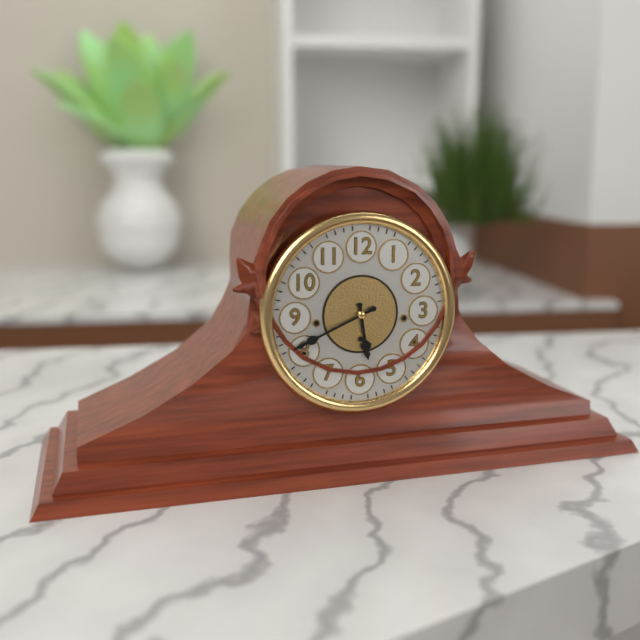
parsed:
5:41
